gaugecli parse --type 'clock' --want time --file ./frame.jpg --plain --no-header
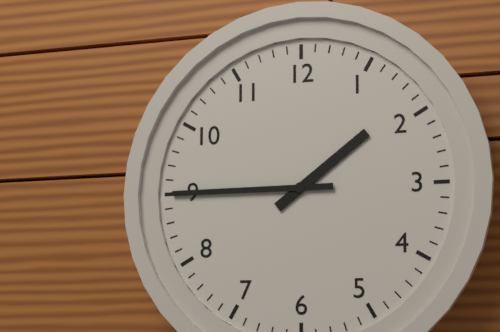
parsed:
1:45
